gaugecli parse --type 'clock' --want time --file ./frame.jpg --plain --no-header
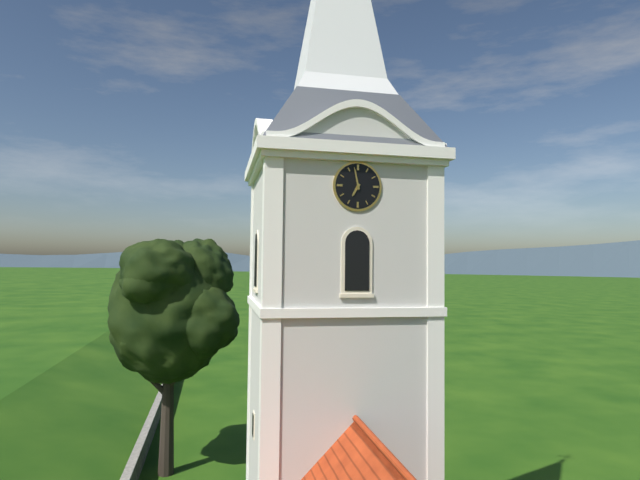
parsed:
6:58
